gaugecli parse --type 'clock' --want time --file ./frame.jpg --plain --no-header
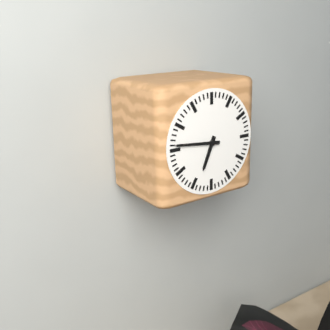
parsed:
6:46
